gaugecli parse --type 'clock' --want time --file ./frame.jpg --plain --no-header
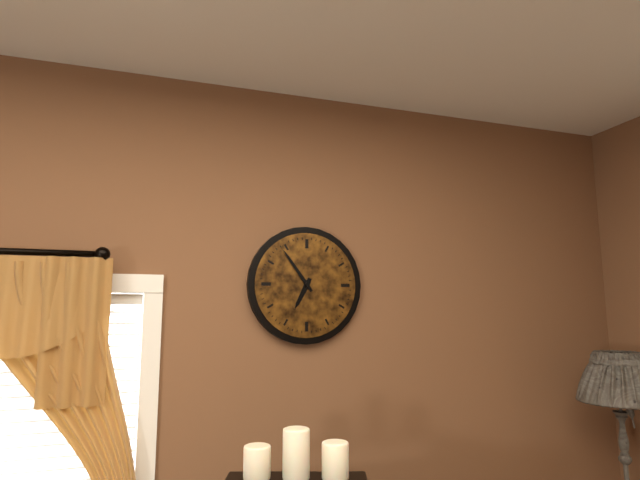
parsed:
6:54
